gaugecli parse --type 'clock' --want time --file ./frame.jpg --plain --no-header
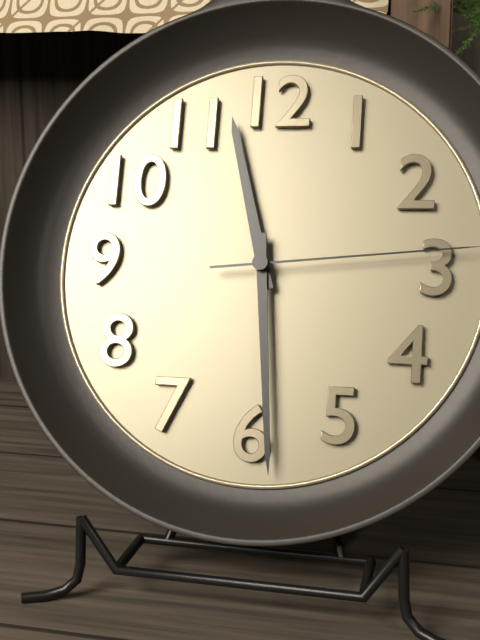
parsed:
11:29
